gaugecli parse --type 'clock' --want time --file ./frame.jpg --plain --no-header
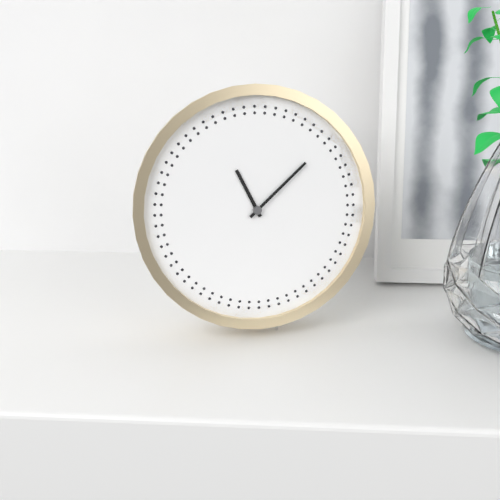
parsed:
11:08
